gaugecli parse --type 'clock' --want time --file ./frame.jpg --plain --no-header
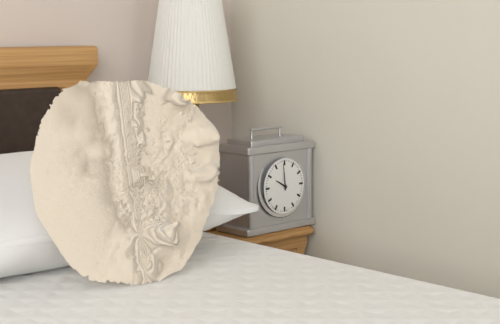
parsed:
9:59
